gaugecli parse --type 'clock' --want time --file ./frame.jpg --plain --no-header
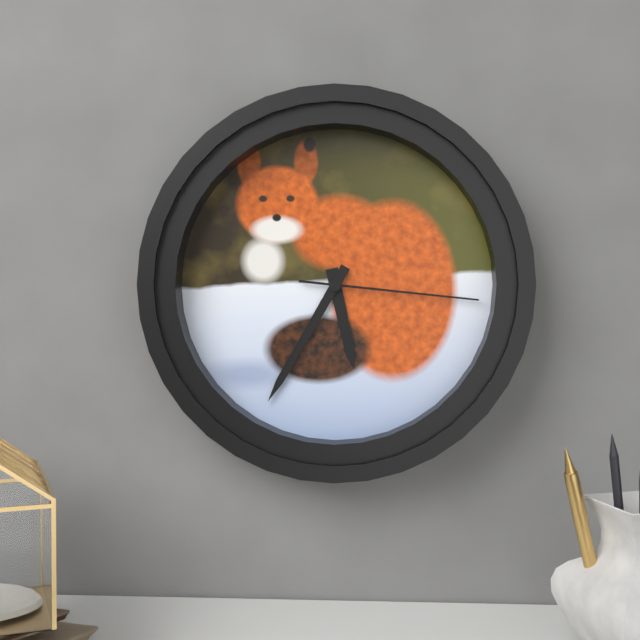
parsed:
5:35:16
